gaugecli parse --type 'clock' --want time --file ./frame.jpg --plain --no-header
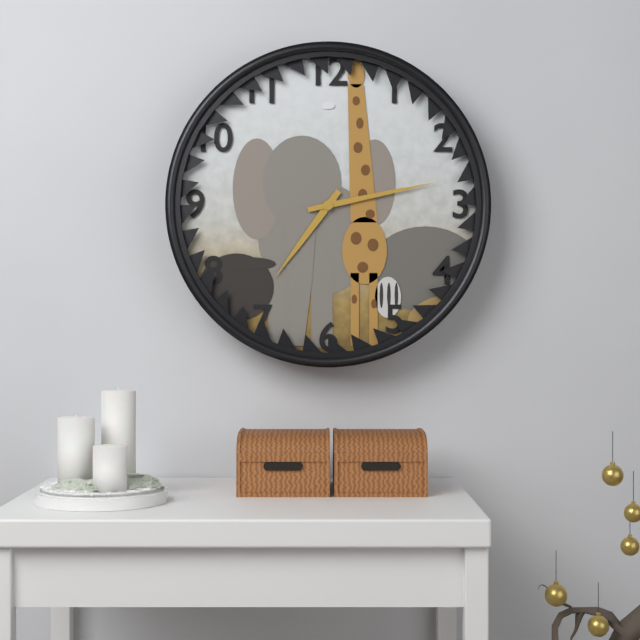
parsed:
7:13
